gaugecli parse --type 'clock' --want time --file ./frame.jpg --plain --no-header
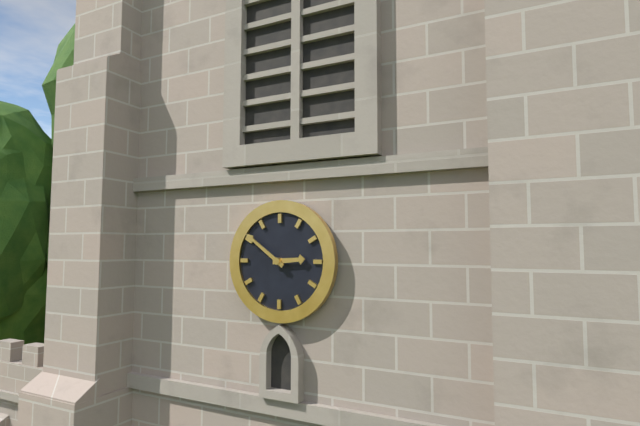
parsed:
2:51
